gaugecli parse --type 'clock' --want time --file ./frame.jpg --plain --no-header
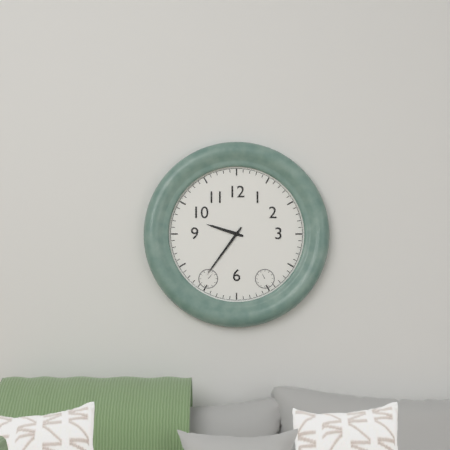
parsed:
9:36
